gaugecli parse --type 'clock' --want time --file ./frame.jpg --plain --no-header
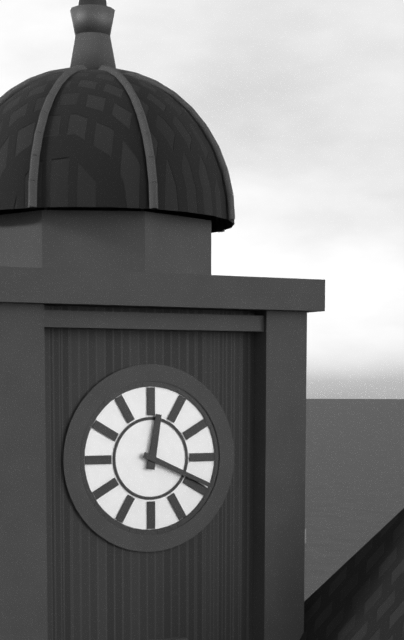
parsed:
12:19
